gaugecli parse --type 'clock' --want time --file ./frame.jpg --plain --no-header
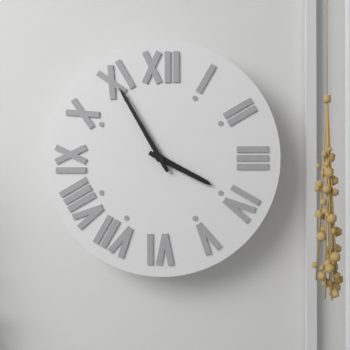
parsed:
3:55
